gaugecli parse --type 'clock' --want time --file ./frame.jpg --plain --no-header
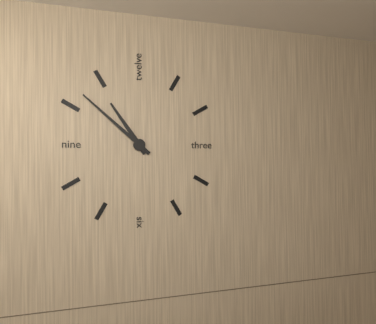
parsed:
10:52
